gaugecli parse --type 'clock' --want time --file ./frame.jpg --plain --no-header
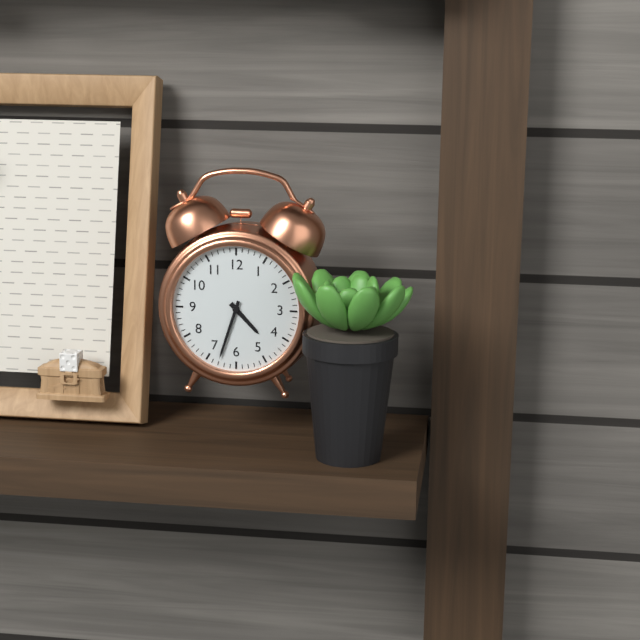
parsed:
4:33
